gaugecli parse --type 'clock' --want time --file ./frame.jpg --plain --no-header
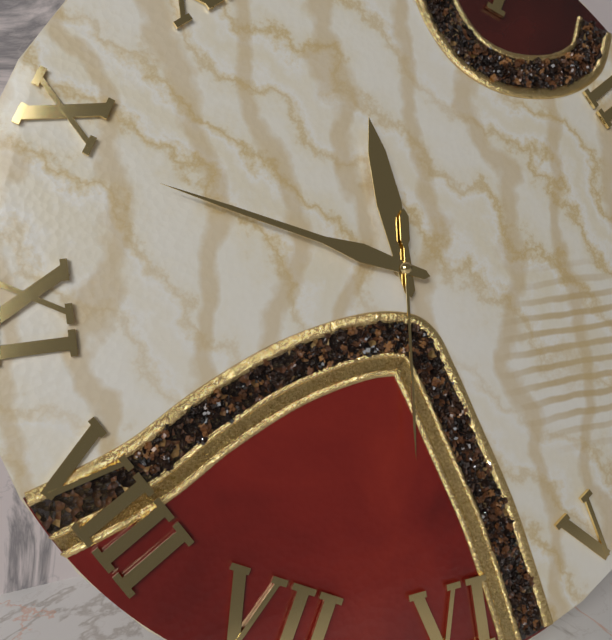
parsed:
11:49:31
